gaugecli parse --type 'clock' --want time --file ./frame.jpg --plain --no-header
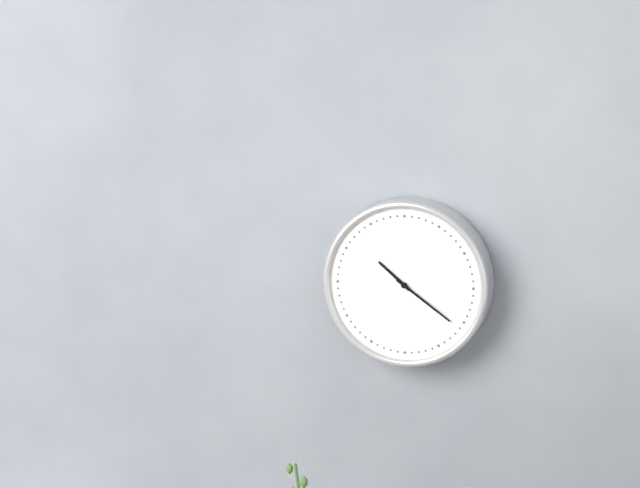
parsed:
10:21
